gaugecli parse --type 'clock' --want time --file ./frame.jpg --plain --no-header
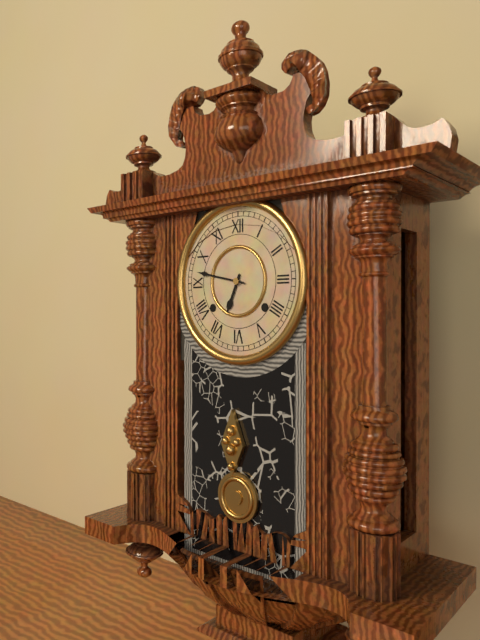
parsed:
6:47
